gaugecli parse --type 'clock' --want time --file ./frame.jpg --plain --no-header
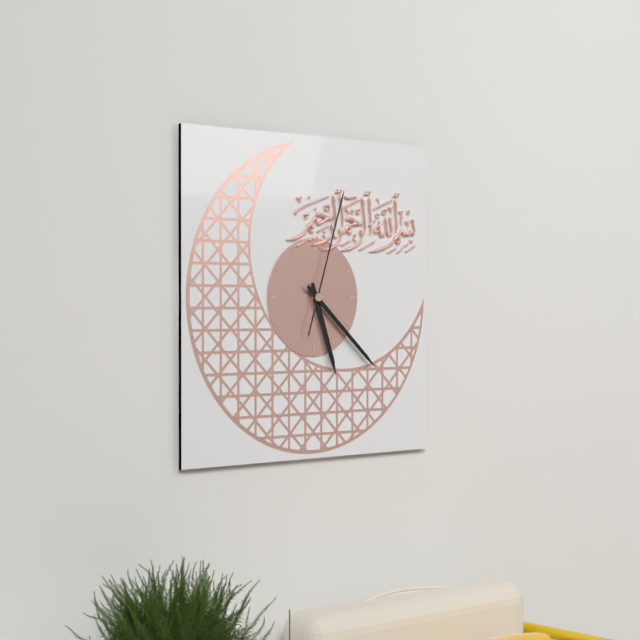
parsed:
5:22:03
